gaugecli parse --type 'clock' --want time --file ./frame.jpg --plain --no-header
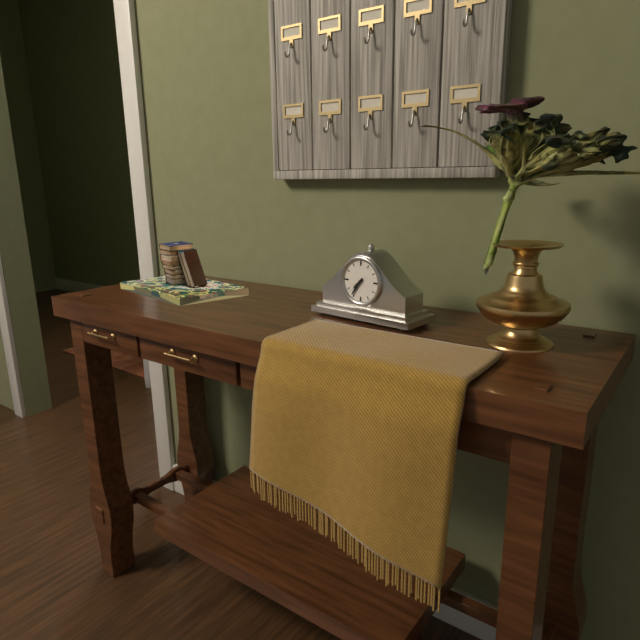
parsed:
7:36
